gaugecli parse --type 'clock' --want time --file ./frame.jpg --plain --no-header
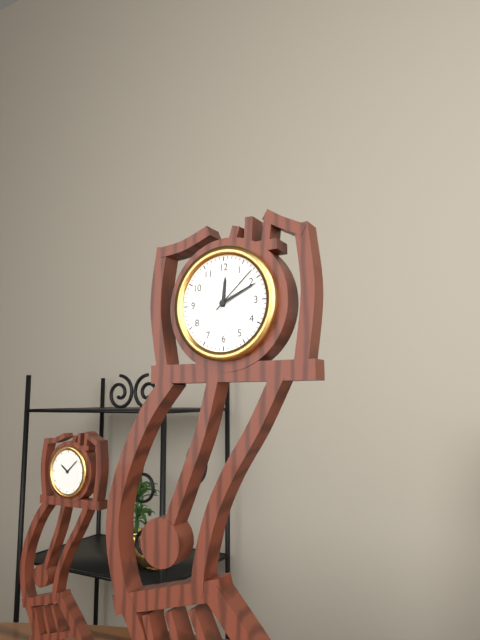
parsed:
12:11:08
